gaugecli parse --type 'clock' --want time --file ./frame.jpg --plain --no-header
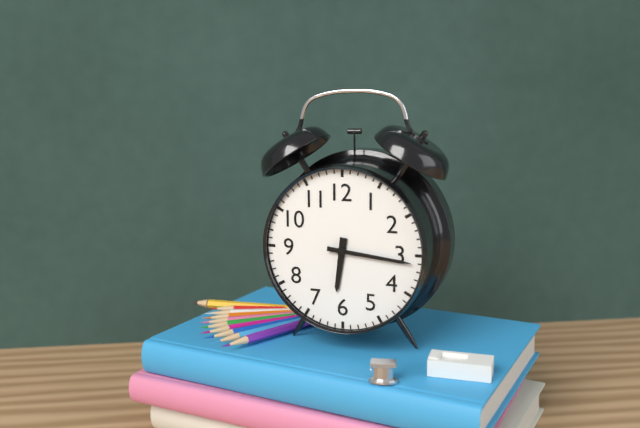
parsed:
6:16
